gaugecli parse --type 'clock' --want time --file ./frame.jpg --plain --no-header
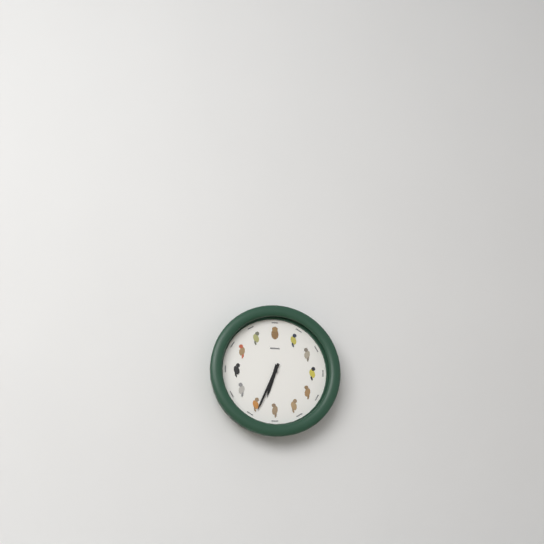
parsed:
6:34
